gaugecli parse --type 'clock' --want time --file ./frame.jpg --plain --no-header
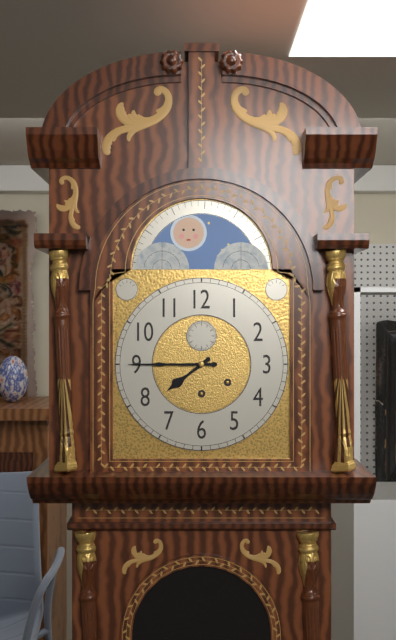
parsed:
7:45
